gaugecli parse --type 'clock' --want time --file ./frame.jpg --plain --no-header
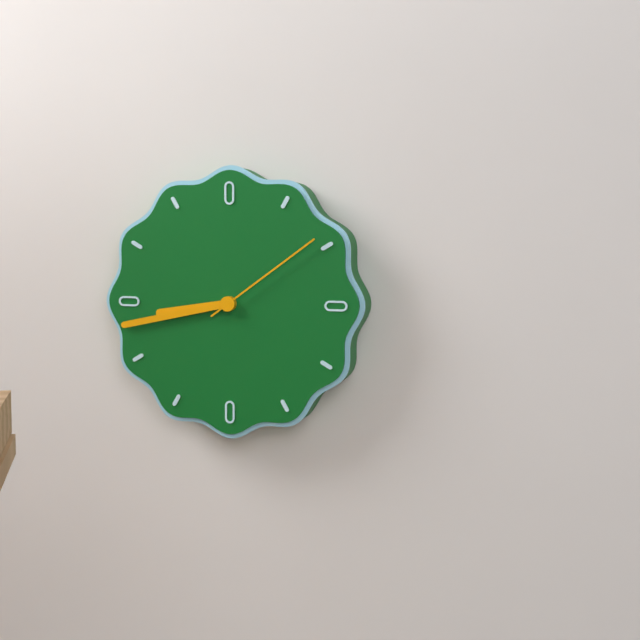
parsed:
8:43:09
